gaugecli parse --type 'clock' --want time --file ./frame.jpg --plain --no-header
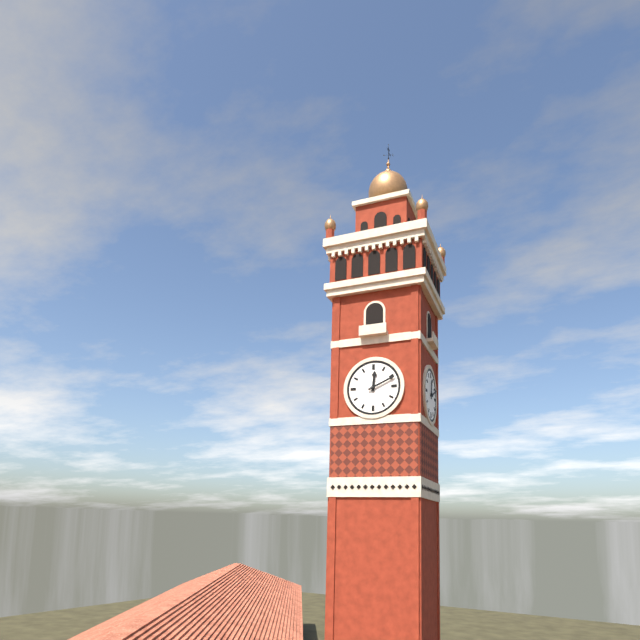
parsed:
12:11
